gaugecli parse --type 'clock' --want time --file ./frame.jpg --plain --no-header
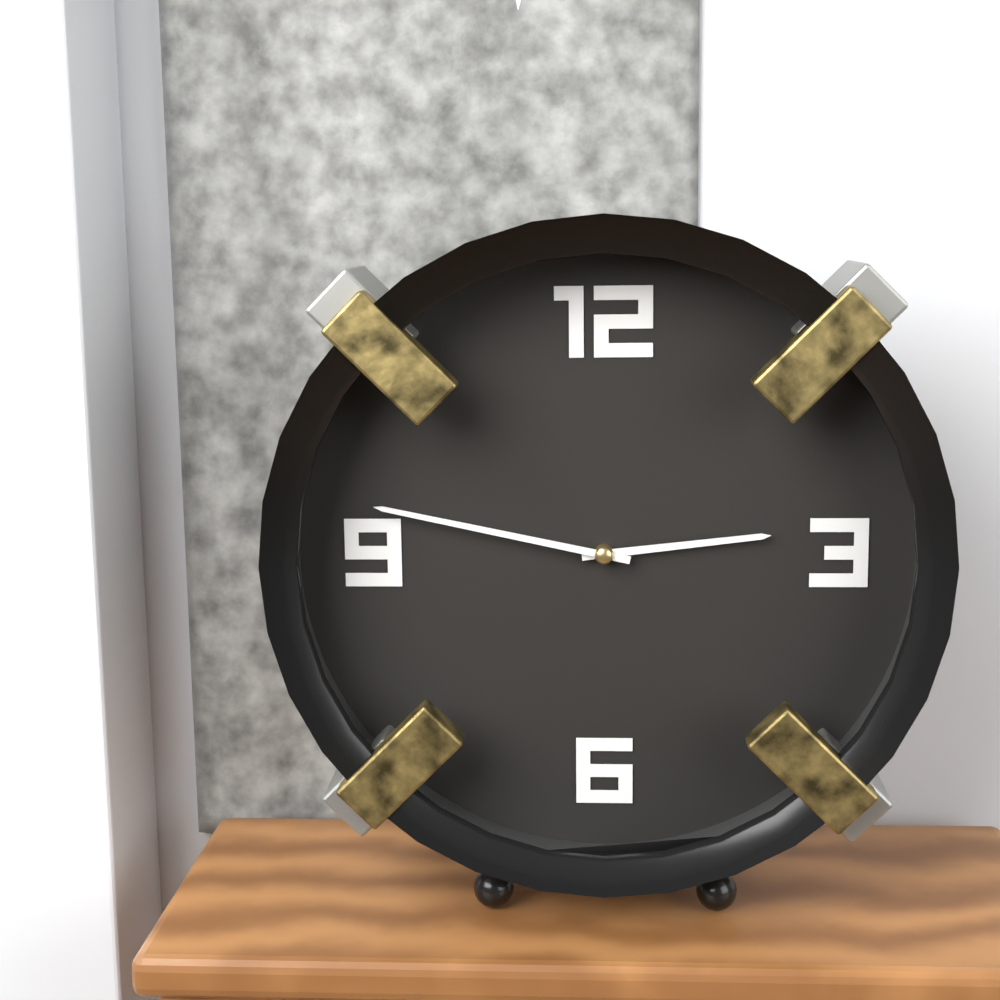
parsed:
2:47
